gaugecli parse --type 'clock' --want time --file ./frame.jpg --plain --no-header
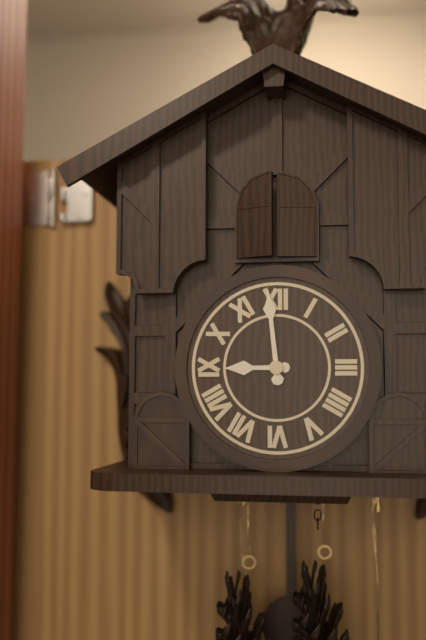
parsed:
8:59
